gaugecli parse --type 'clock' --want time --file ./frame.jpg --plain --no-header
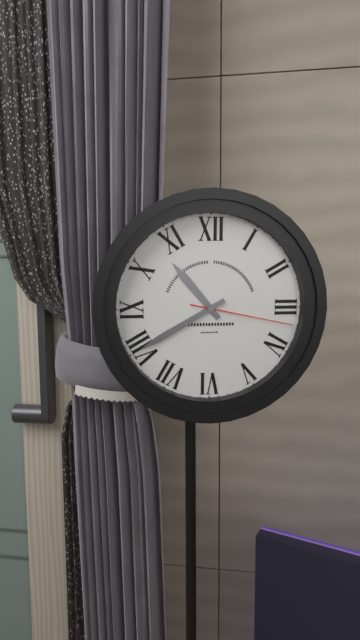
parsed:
10:40:17
